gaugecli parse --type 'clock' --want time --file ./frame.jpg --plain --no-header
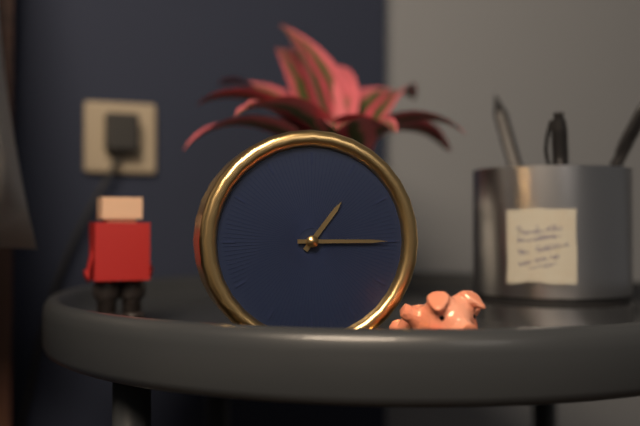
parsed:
1:15
